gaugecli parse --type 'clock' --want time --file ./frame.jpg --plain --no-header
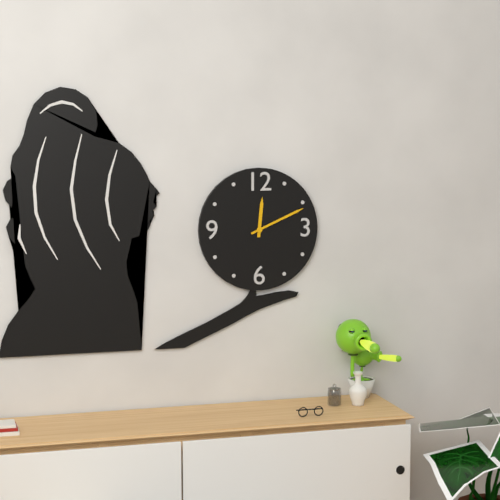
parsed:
12:11
